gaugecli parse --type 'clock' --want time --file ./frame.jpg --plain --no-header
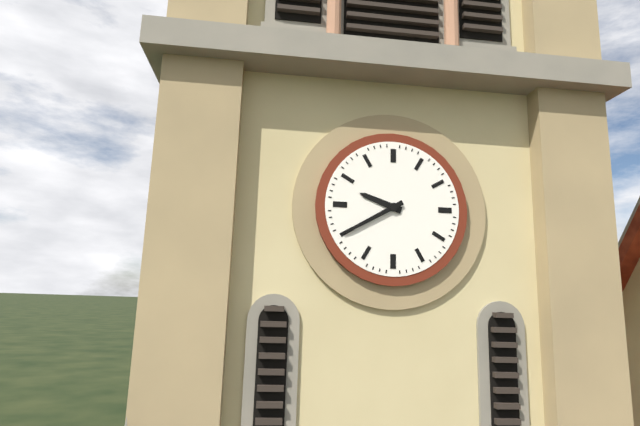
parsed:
9:40
